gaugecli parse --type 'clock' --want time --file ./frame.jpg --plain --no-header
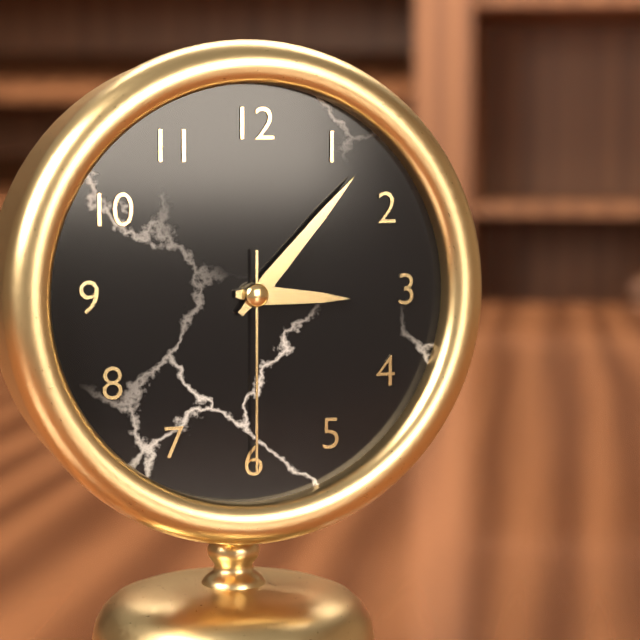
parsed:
3:07:30
